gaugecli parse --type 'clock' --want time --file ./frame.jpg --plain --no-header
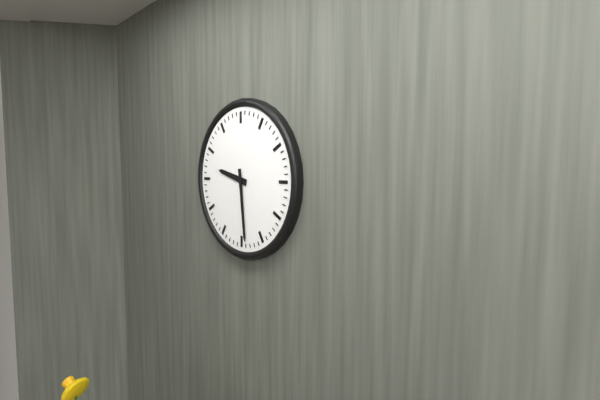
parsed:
9:29
